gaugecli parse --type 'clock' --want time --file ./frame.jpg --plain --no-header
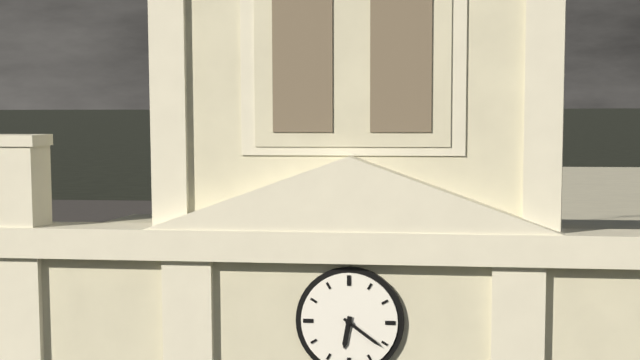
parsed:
6:21
